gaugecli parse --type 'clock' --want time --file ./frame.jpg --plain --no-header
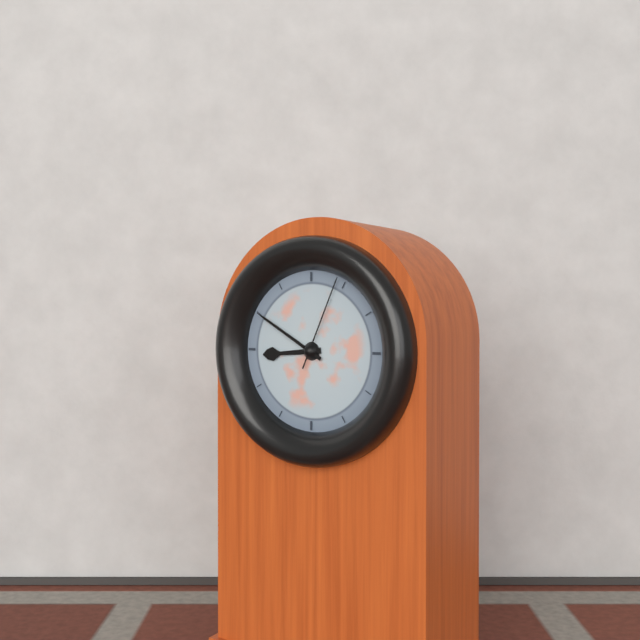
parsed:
8:50:04
